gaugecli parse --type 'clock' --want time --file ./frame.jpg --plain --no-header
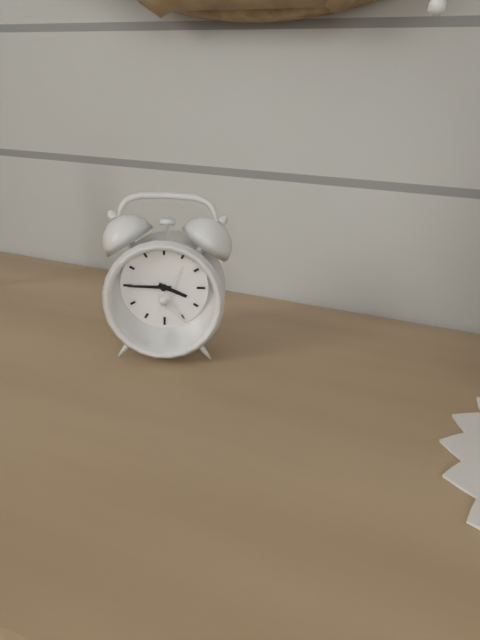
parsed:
3:45
